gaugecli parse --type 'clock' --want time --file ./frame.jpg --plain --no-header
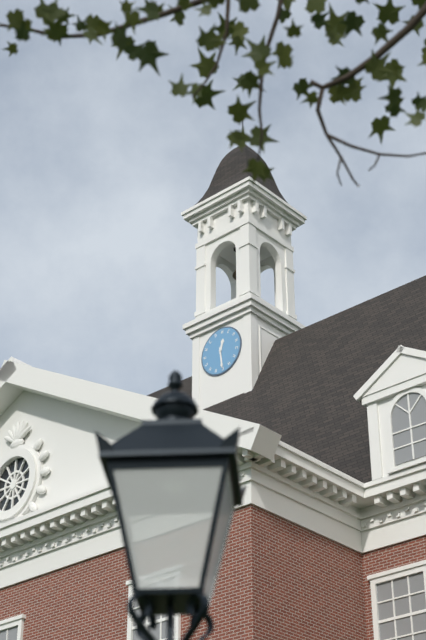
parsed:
12:29
